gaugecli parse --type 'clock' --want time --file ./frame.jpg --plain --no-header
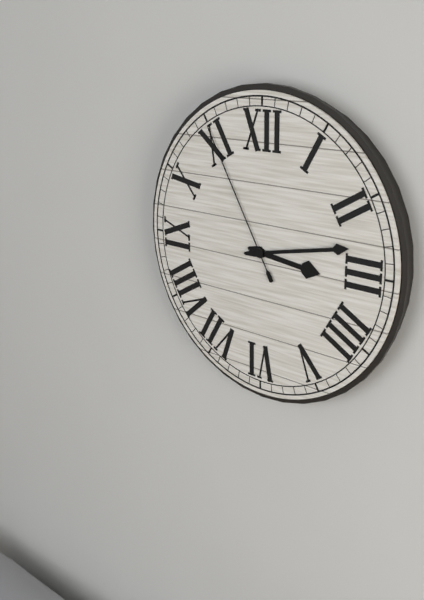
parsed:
3:13:55
